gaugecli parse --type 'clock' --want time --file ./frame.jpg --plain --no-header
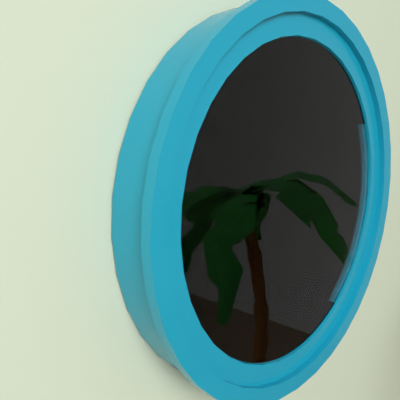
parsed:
11:30:22
